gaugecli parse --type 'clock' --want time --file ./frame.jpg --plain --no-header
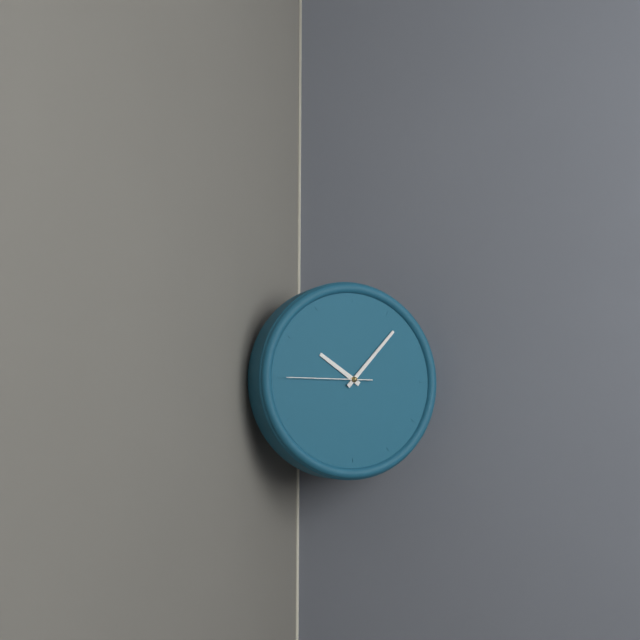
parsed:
10:07:45
